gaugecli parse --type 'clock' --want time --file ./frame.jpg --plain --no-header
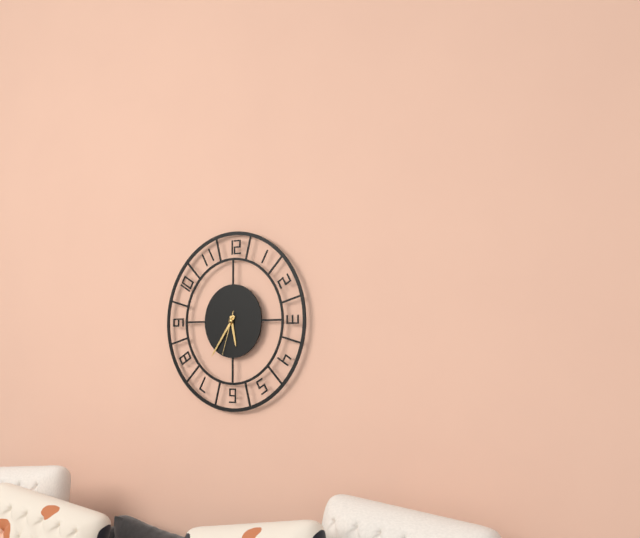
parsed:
5:36
